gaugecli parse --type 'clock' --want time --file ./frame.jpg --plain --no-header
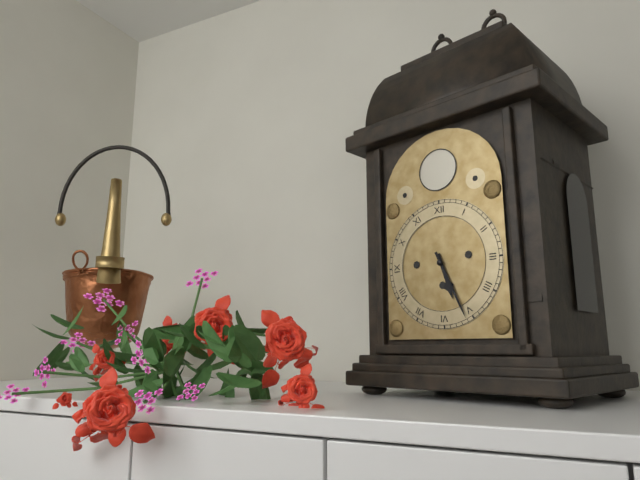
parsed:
5:26
